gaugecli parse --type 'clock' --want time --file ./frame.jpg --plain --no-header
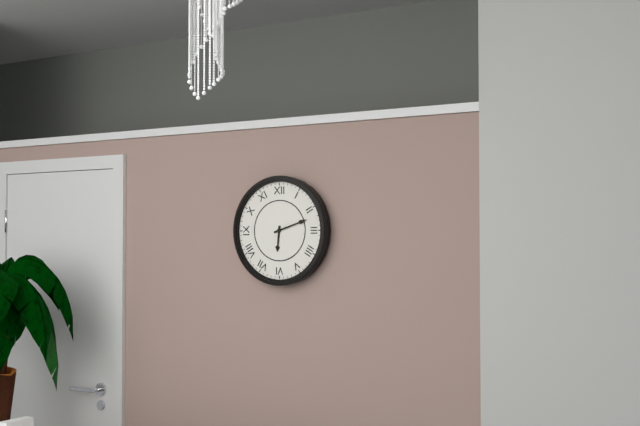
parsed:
6:12
